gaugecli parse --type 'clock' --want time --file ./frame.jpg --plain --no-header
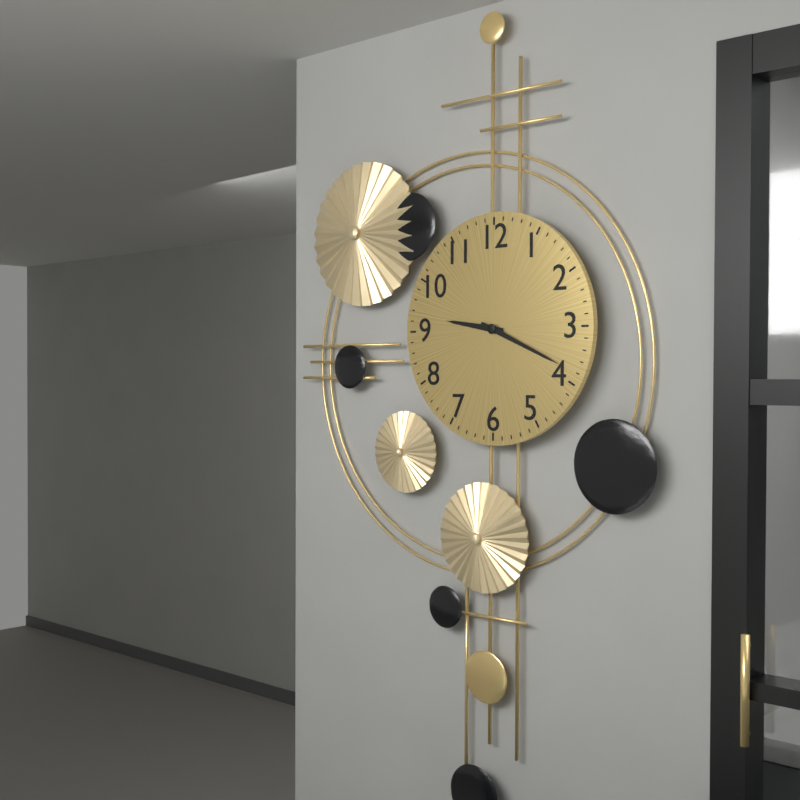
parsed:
9:19
